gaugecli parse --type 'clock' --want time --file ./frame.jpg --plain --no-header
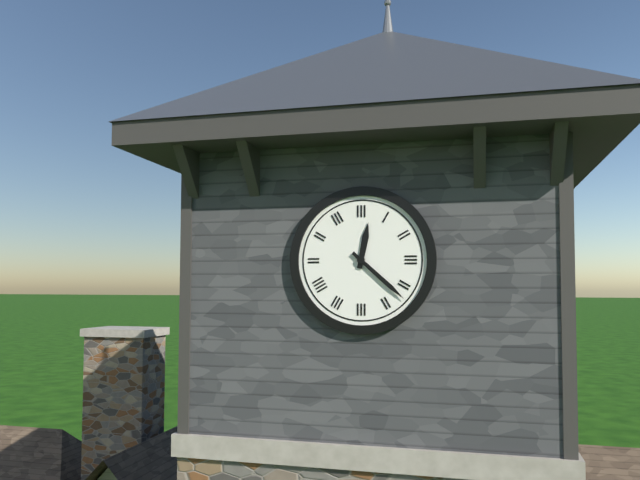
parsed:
12:22
